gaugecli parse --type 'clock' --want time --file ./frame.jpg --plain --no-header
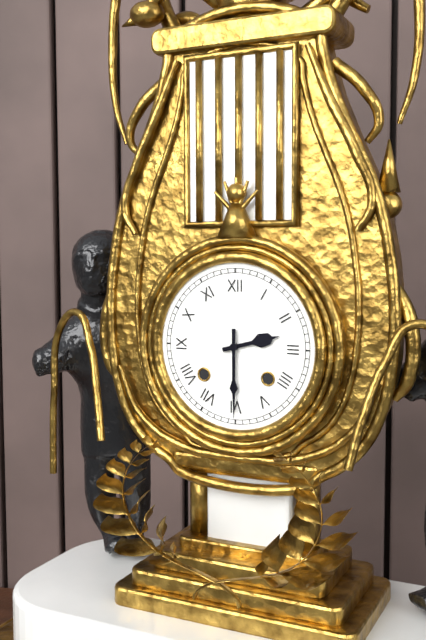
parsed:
2:30
